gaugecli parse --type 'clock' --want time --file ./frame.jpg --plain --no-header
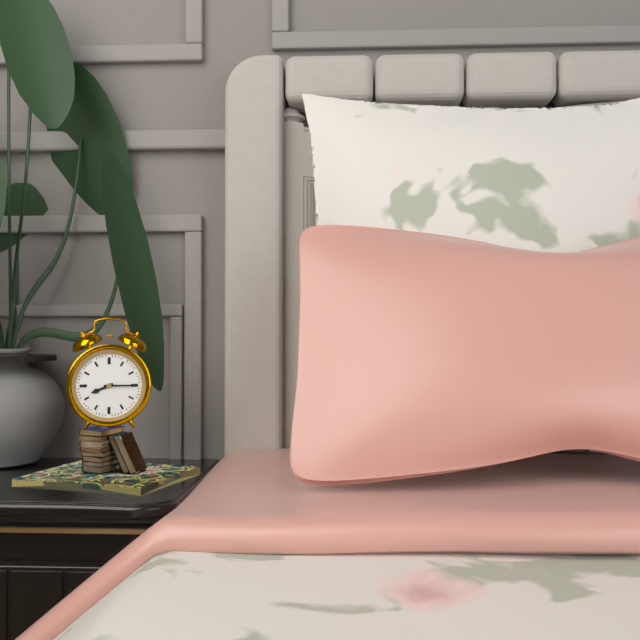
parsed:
8:15
